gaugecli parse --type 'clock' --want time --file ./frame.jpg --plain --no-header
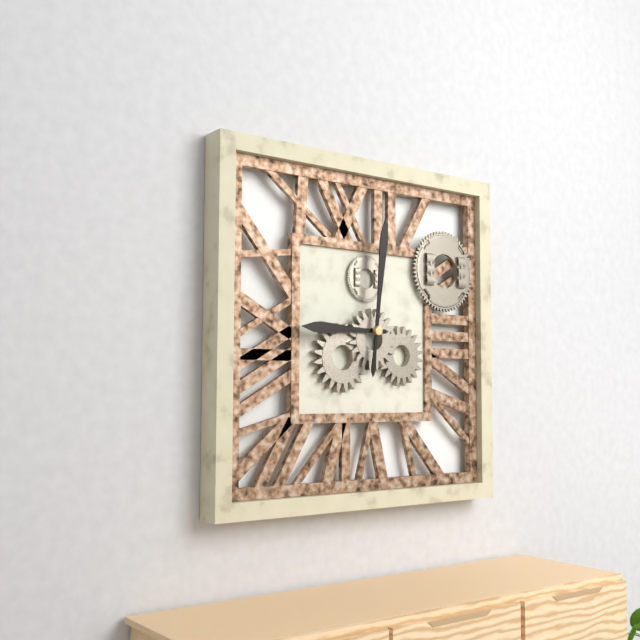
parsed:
9:01
